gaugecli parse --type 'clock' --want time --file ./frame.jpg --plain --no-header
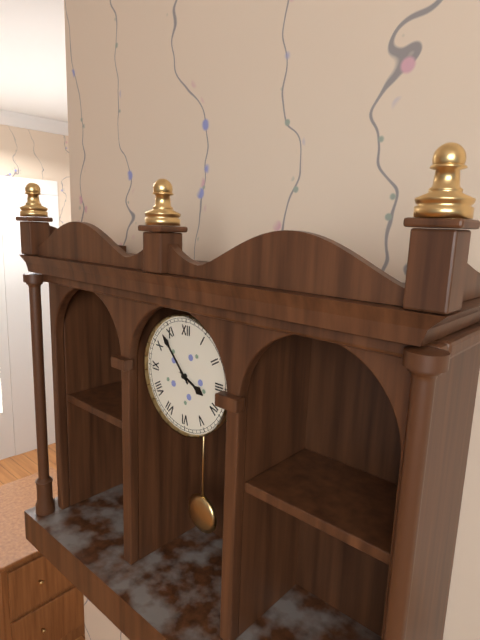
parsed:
3:53
